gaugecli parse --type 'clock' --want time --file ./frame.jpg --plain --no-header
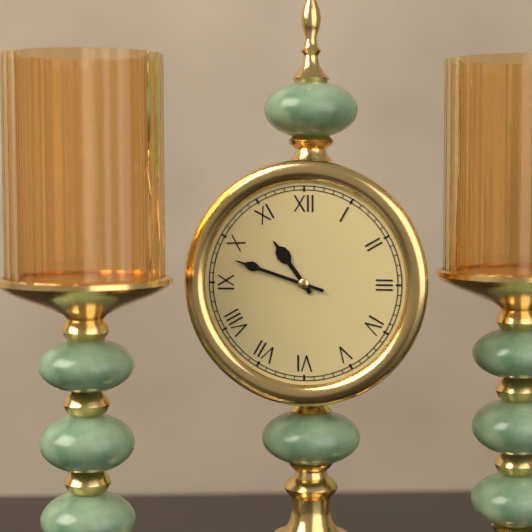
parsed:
10:48
